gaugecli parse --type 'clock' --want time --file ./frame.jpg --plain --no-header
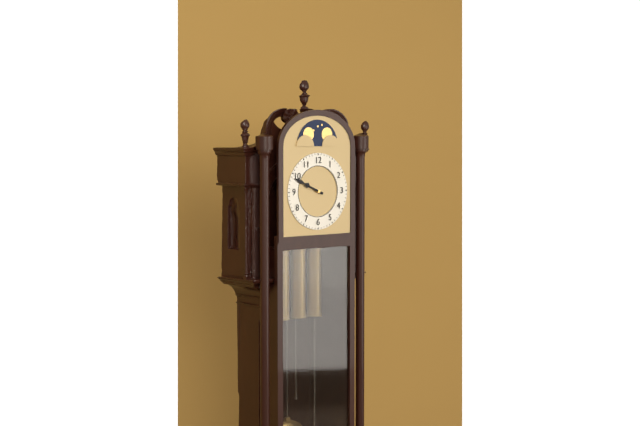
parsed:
9:49
